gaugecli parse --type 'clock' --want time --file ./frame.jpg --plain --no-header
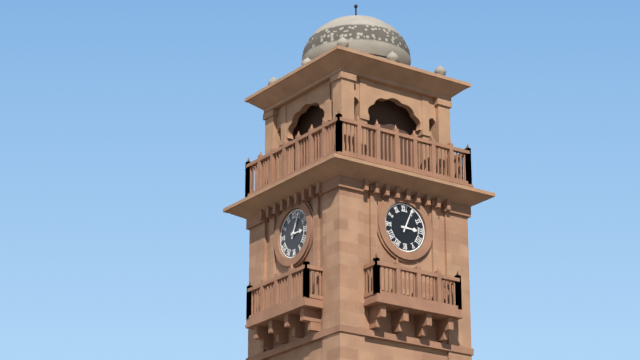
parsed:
3:04
